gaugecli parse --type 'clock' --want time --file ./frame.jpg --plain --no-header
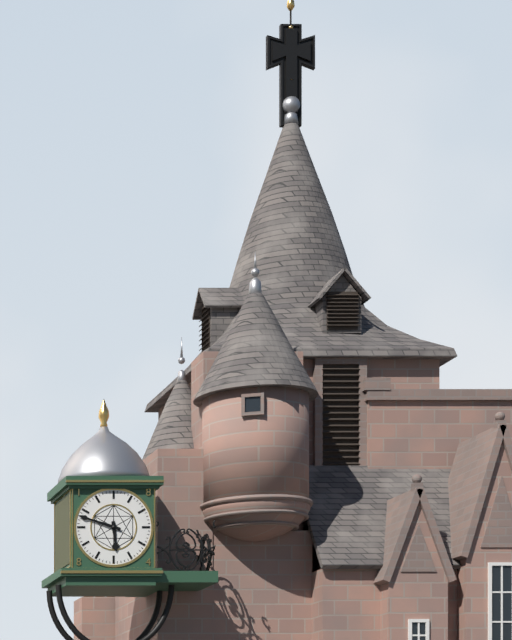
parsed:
5:48
